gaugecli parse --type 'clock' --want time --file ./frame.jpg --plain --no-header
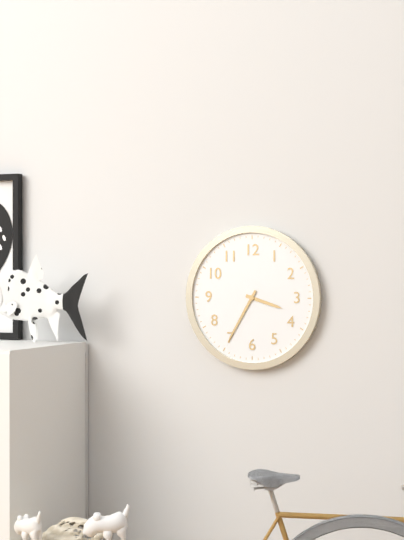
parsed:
3:35
